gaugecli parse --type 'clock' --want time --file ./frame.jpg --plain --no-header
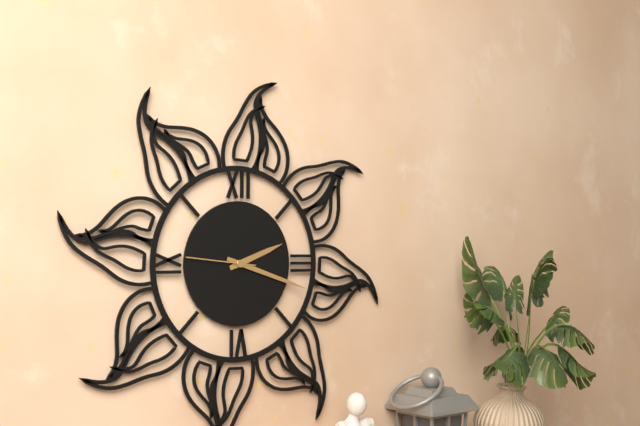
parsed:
2:18:46
